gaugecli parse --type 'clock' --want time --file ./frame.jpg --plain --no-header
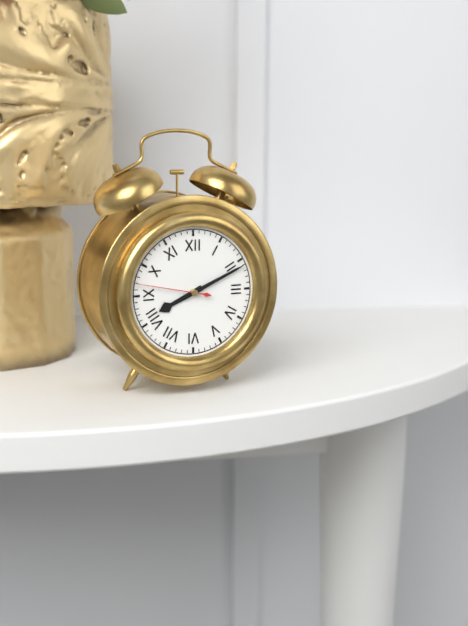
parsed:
8:11:47
